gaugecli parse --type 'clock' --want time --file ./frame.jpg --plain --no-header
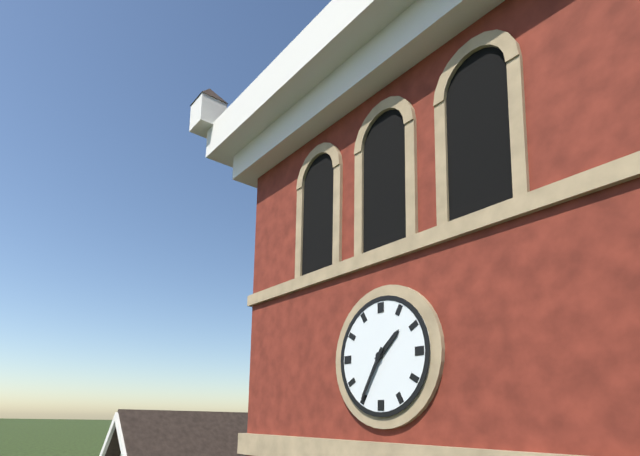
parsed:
1:35
